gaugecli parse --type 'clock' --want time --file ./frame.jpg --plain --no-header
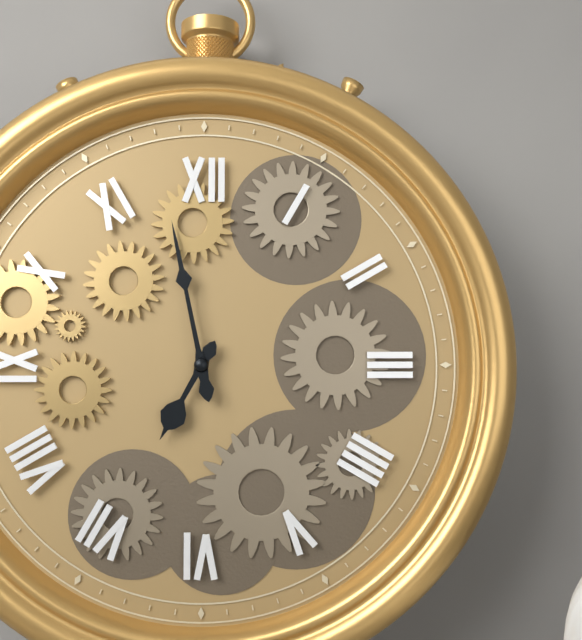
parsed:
6:58
